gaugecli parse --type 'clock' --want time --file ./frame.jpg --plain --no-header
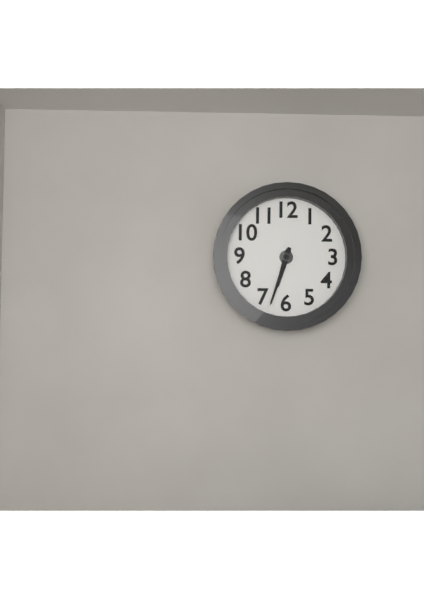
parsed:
6:33
